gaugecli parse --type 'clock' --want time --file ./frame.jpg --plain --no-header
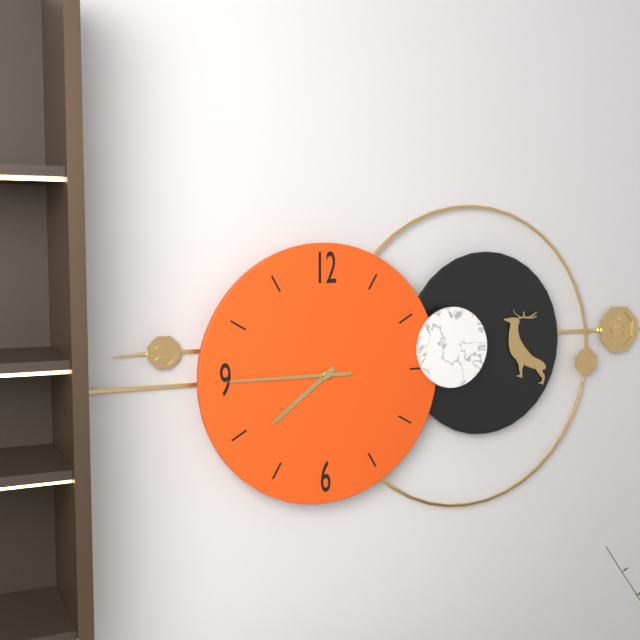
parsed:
7:45
